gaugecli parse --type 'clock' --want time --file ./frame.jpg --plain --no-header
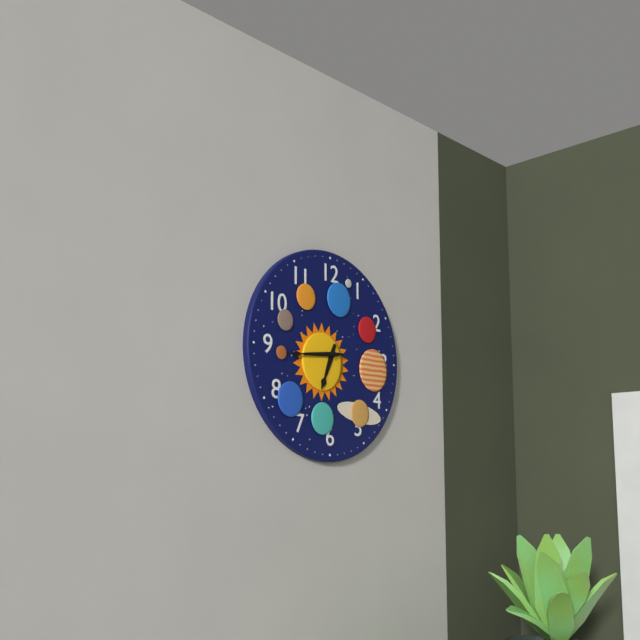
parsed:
6:44
